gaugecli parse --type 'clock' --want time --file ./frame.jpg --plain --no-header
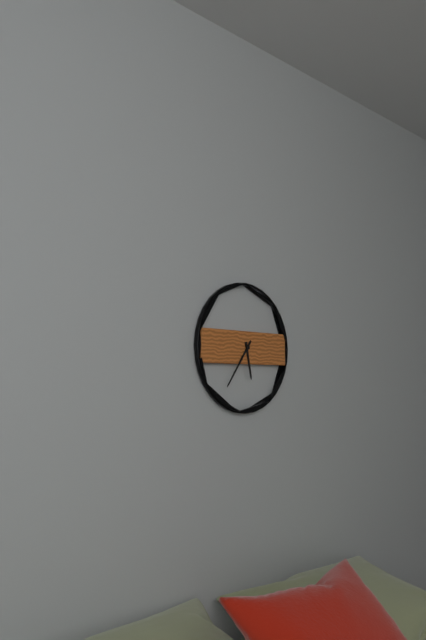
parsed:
5:36
